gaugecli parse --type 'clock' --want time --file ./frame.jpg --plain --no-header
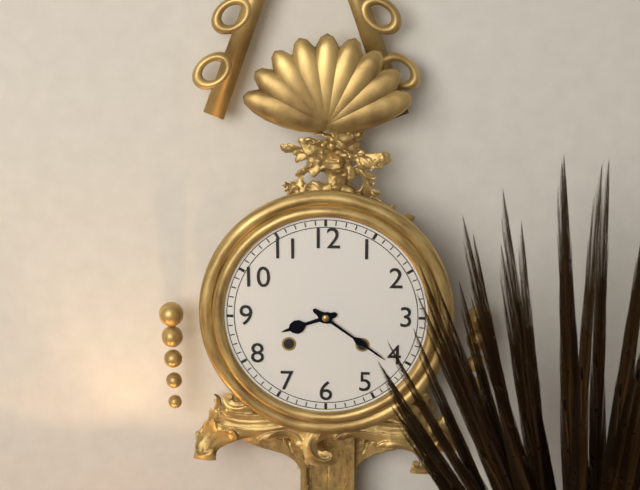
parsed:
8:21
